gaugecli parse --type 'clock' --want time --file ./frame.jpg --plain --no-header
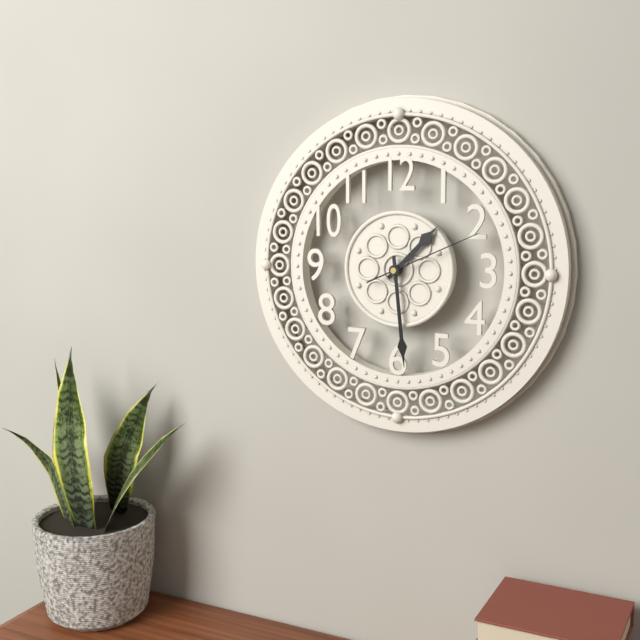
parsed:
1:29:11
